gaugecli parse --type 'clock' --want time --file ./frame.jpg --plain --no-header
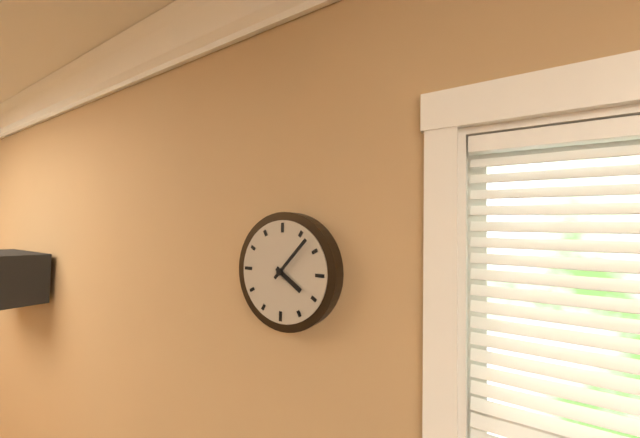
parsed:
4:07
